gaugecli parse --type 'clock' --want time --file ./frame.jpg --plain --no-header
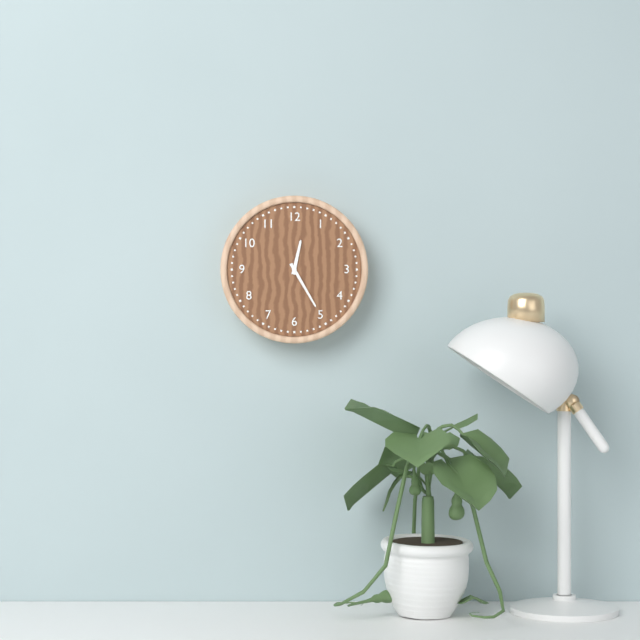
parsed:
12:25
